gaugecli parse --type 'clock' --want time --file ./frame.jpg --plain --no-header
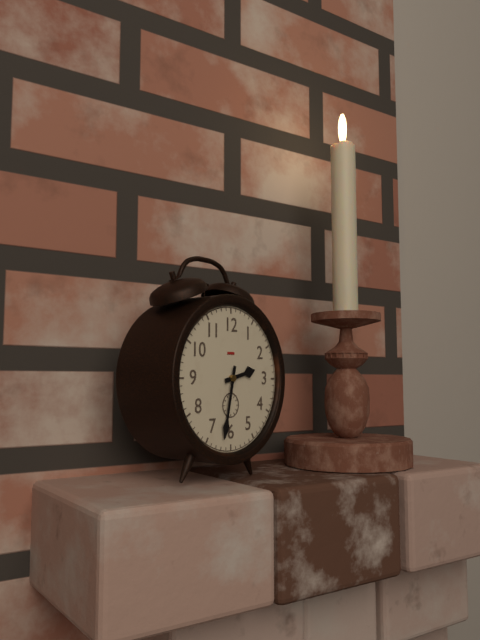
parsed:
2:32
